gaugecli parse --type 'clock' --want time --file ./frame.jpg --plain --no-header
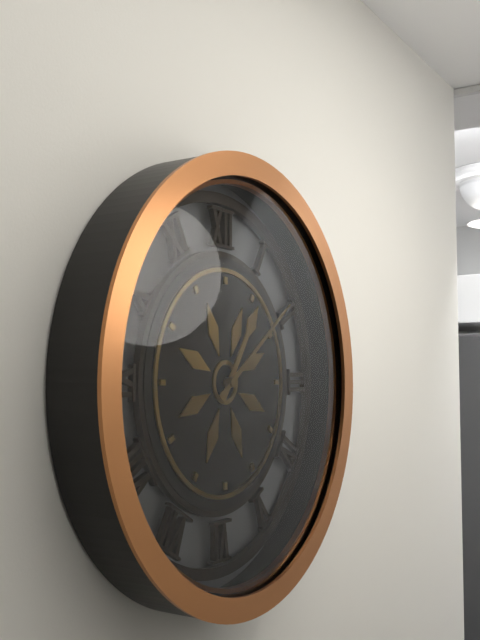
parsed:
1:09
